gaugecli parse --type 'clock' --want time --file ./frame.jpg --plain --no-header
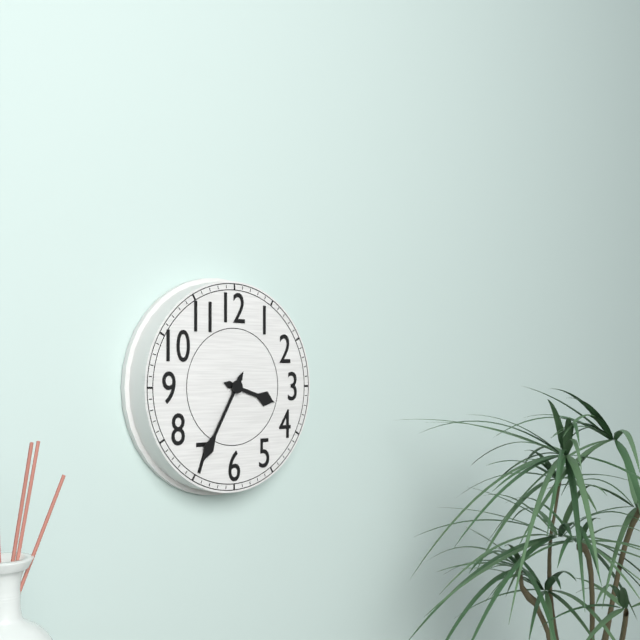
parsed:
3:35
